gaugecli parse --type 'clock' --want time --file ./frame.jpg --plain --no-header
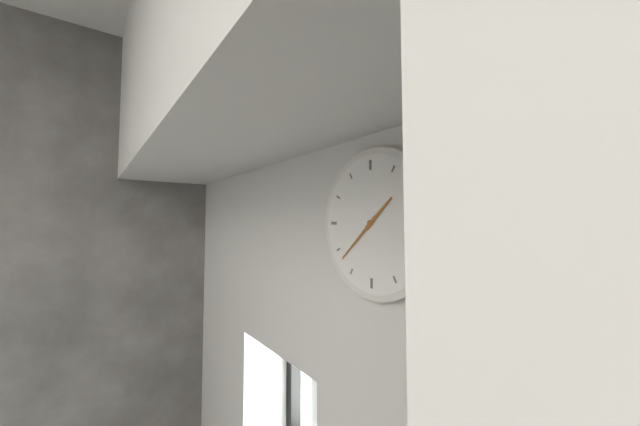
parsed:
1:38
